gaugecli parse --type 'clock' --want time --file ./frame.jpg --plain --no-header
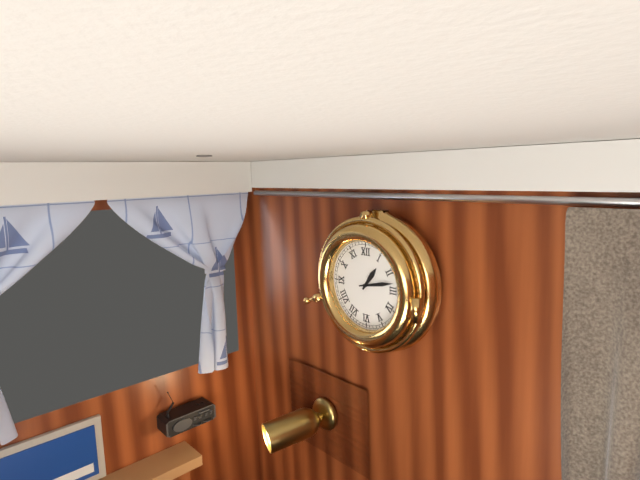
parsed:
1:13
